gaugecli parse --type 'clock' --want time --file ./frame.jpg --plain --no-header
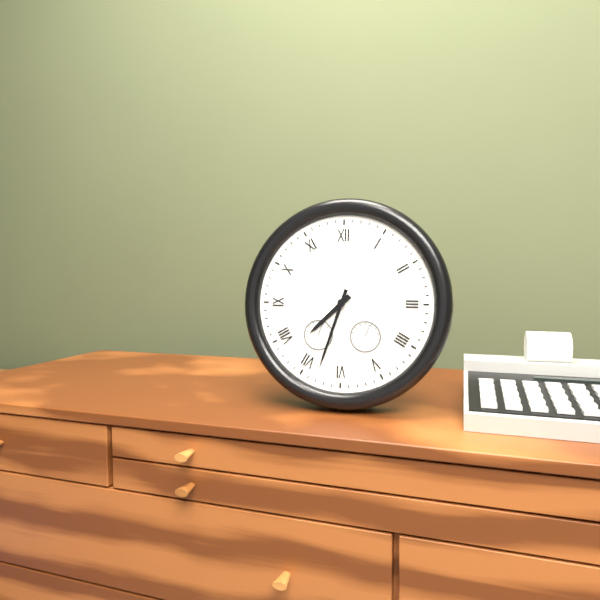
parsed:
7:33
